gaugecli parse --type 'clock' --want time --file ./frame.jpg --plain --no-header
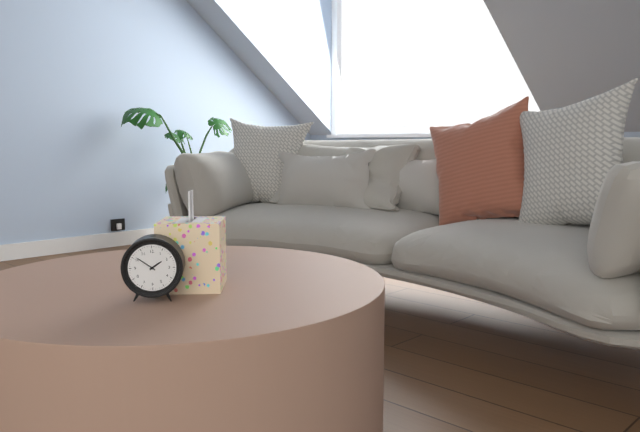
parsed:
1:51
